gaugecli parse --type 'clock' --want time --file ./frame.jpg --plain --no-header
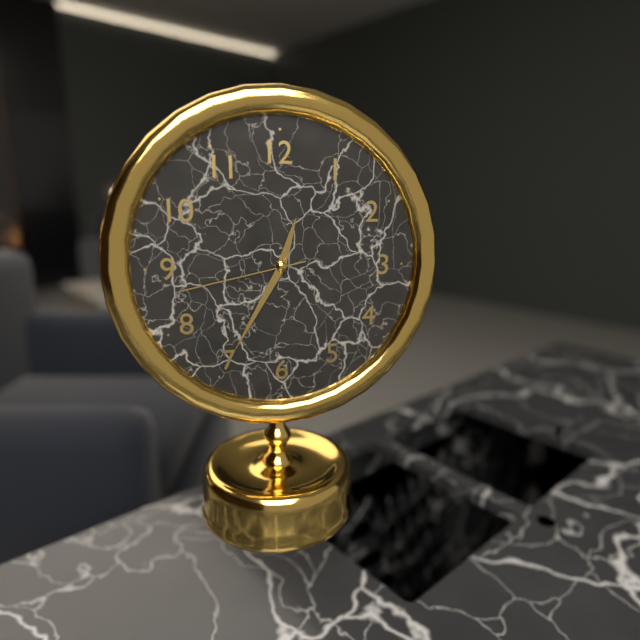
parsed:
12:35:43
